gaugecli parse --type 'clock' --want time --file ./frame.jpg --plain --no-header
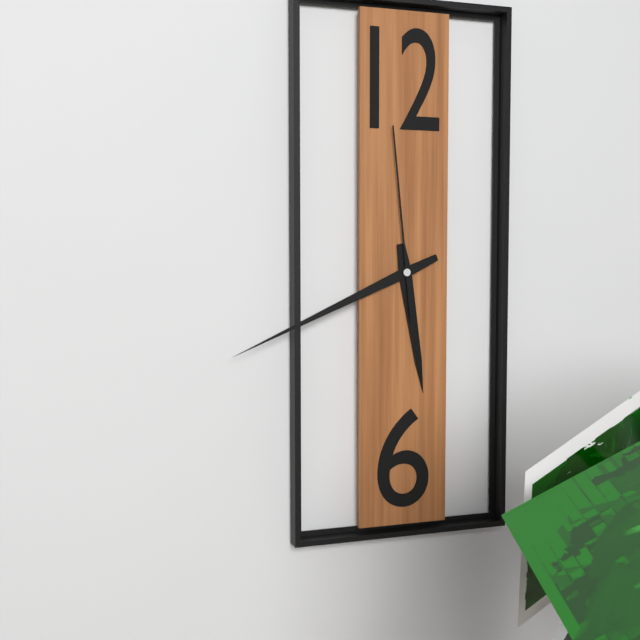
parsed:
5:41:59
